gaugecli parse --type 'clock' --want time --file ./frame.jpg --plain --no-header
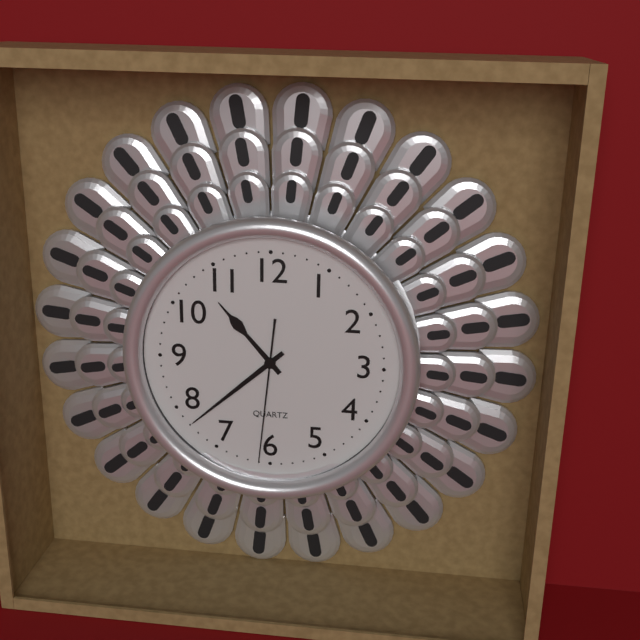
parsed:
10:38:31
